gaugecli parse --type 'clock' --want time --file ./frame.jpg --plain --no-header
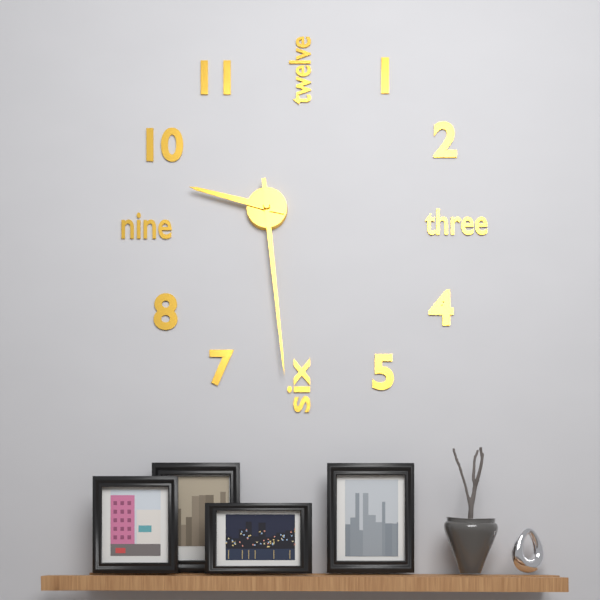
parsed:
9:29
